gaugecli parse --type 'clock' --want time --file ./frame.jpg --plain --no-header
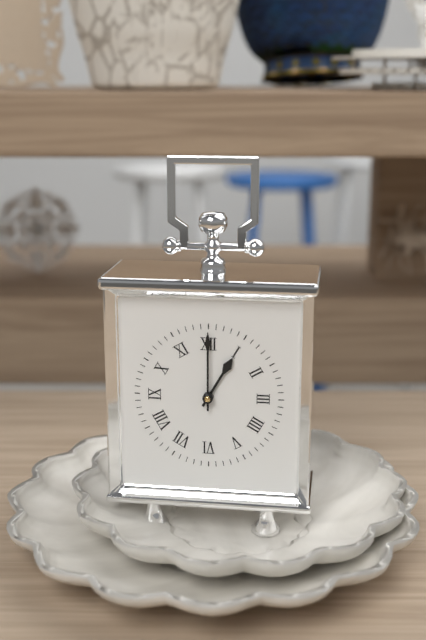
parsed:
1:00
